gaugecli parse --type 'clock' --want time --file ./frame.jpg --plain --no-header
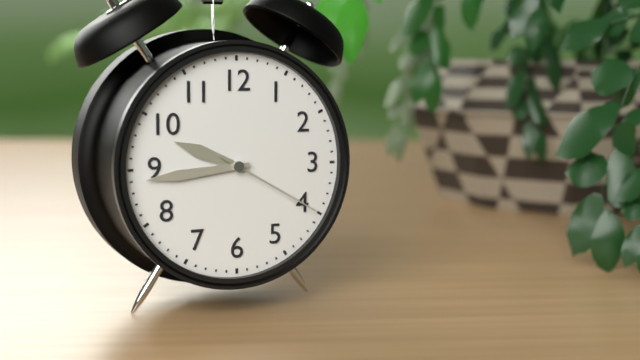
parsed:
9:44:20
